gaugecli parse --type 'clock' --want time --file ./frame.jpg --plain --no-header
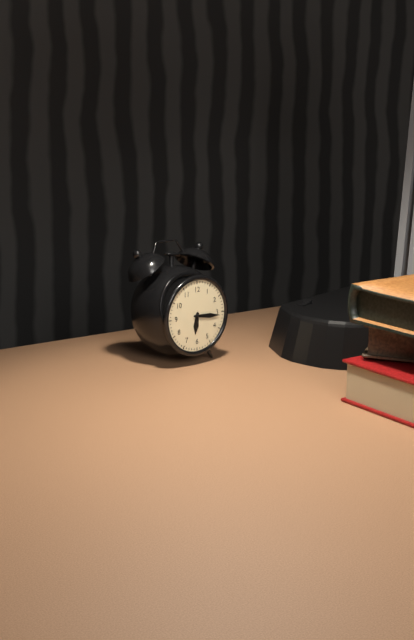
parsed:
6:16
